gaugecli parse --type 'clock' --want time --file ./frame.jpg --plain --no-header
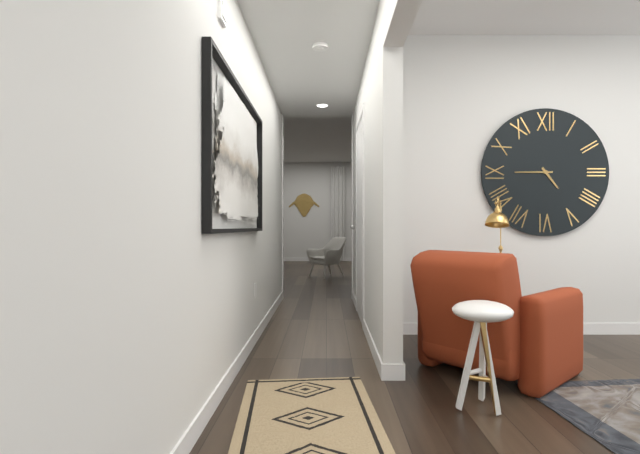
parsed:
4:45
